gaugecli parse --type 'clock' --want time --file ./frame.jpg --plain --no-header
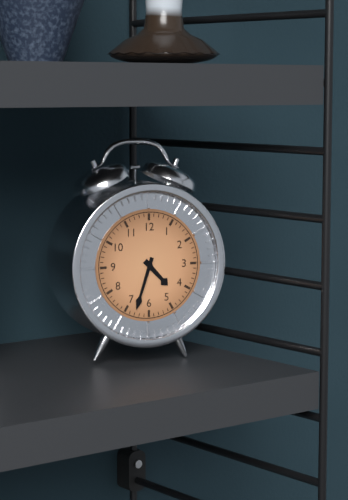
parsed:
4:33
